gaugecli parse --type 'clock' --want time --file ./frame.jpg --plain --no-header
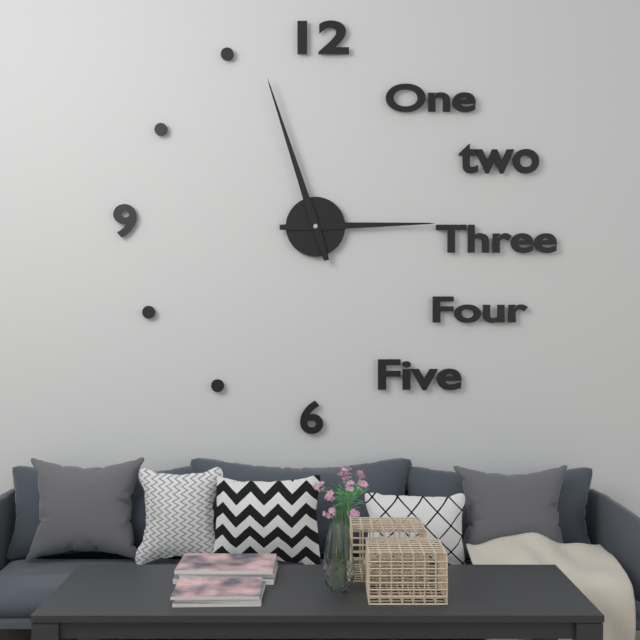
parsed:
2:57
